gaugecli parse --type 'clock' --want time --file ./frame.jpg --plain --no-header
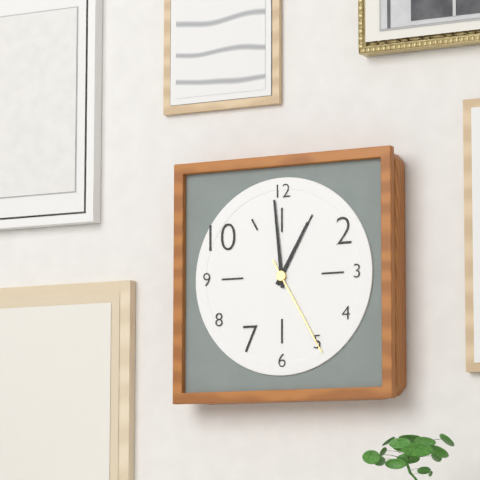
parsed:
12:59:25
